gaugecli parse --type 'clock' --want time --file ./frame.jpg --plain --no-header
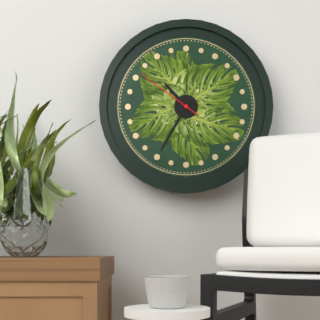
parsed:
10:35:51
